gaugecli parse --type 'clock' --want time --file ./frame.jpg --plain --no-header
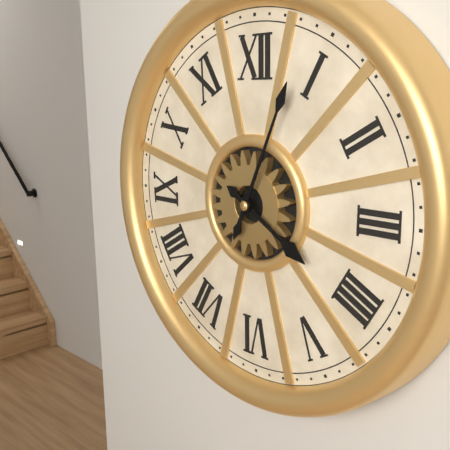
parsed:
4:04
